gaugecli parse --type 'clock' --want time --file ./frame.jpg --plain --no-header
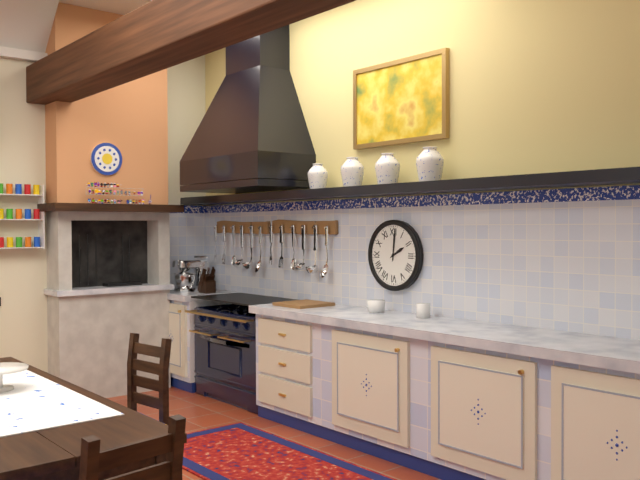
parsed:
2:01
